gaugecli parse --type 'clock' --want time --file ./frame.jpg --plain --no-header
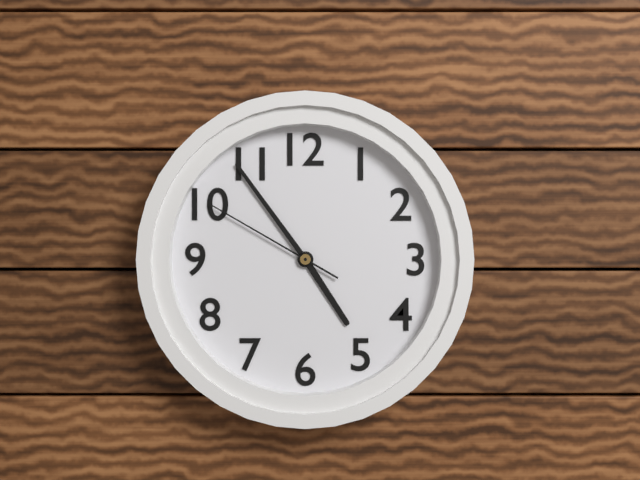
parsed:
4:54:50
